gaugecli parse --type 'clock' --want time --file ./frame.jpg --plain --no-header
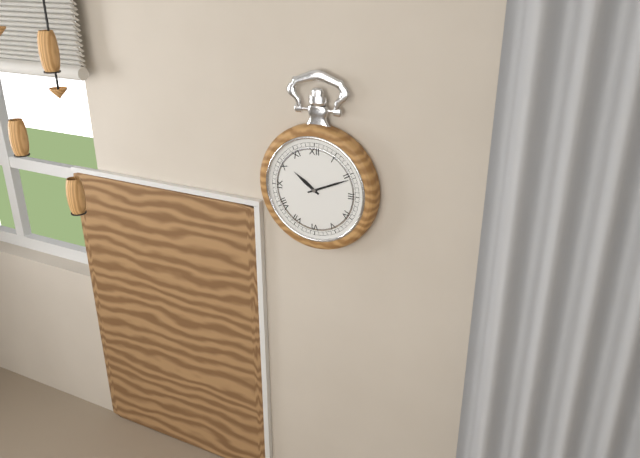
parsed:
10:11
